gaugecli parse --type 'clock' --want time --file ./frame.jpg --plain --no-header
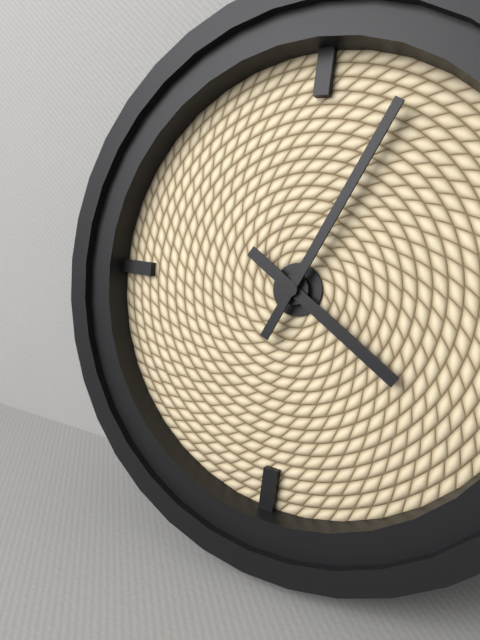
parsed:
4:04
